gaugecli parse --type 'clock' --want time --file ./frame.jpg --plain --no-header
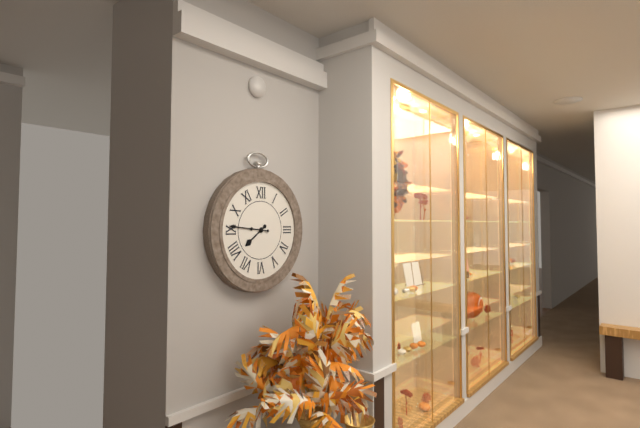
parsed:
7:46
